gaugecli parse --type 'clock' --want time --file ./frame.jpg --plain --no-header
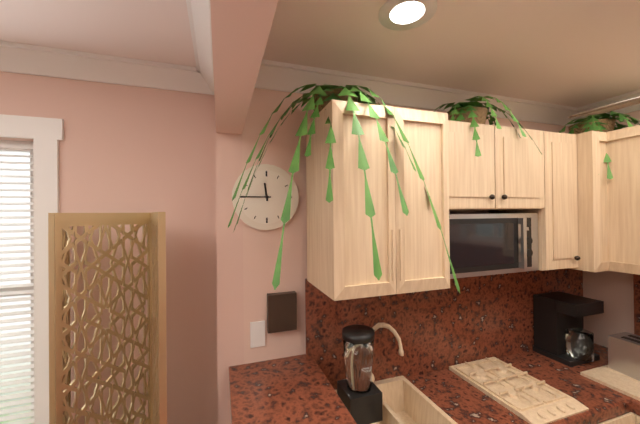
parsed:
11:45
